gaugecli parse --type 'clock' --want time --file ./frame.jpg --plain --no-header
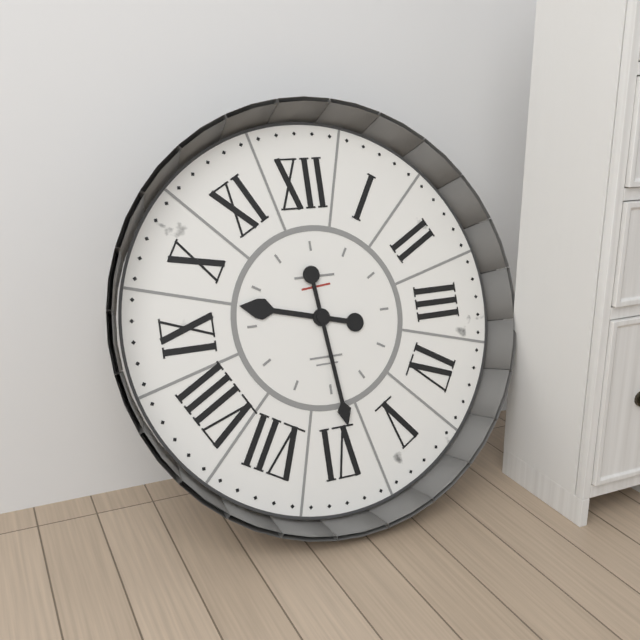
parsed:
9:29
